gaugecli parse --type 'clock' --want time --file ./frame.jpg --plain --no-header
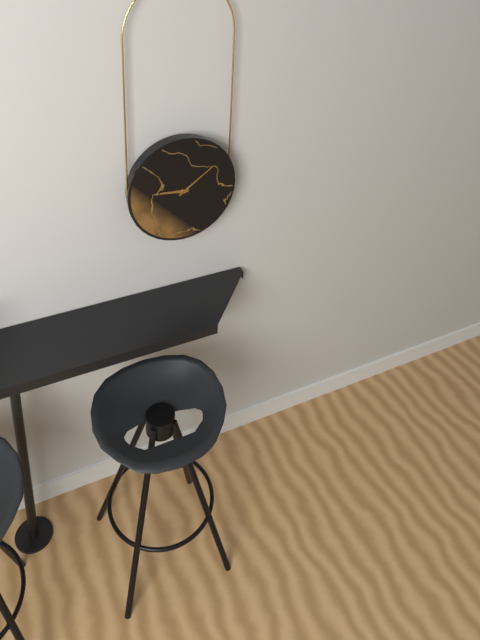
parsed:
9:09
